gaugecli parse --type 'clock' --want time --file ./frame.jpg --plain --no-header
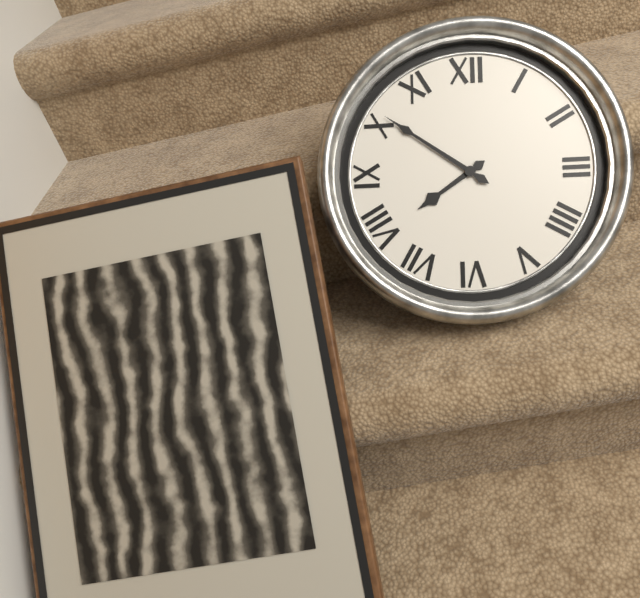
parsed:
7:51
